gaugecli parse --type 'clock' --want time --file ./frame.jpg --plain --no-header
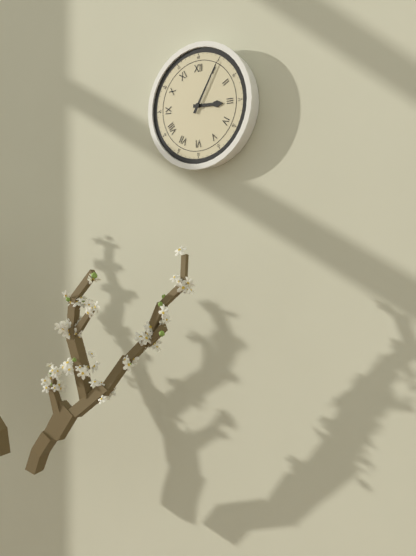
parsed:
3:05
